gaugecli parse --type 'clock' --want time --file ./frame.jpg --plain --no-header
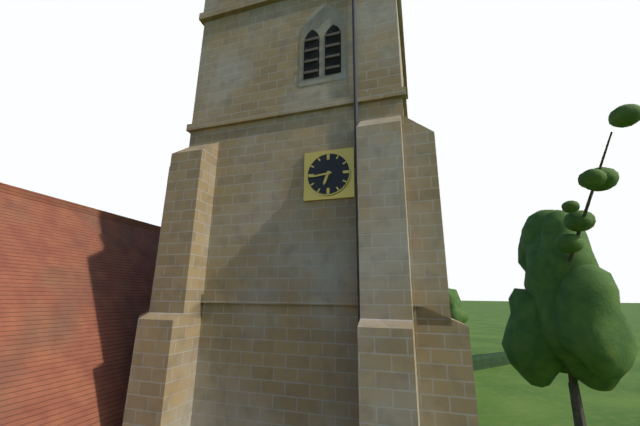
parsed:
6:44
